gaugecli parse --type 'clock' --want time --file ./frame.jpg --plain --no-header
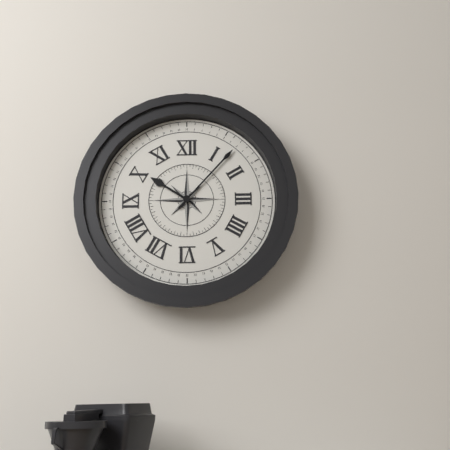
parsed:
10:07
